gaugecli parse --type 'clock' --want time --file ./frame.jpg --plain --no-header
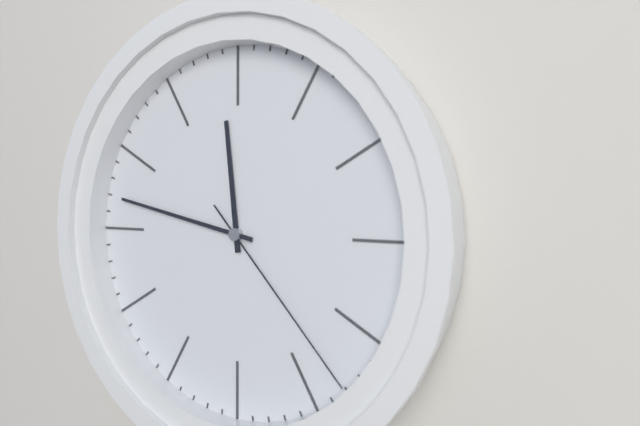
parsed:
11:47:23
